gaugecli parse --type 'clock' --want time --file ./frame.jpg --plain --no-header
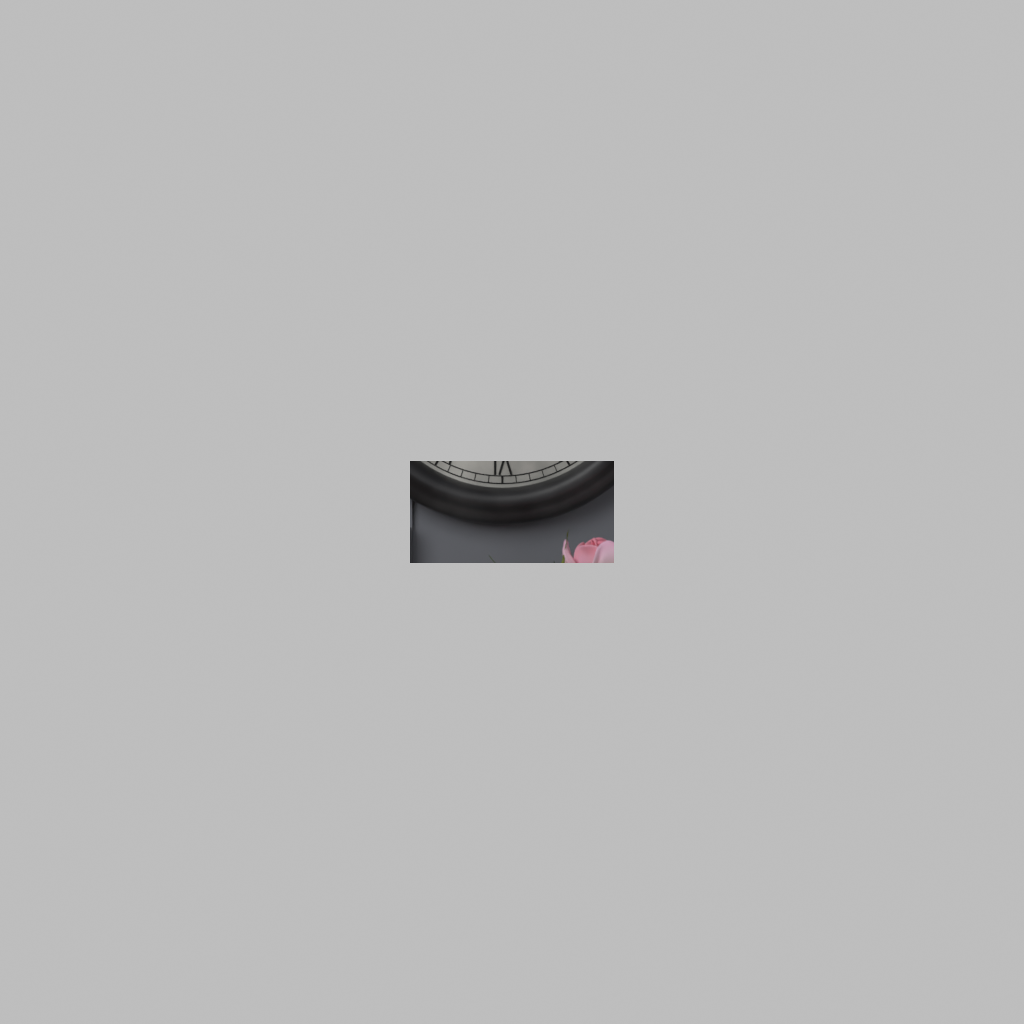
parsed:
9:22
